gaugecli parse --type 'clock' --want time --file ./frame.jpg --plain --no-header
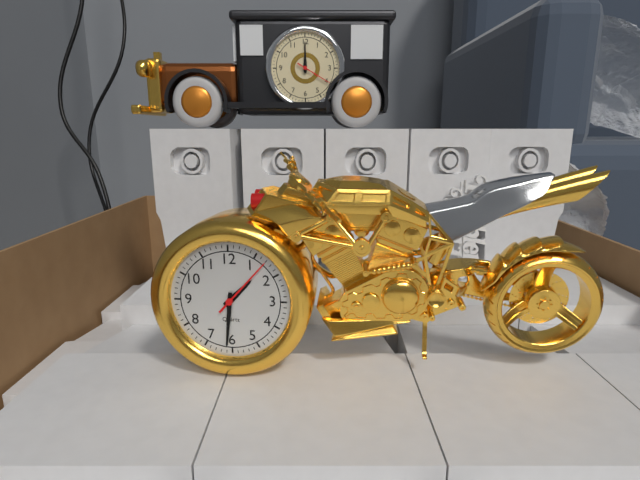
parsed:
1:31:07
